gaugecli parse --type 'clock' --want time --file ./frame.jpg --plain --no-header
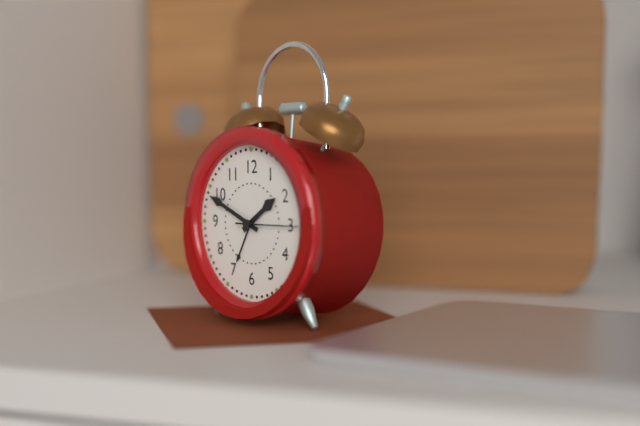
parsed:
1:49:15
